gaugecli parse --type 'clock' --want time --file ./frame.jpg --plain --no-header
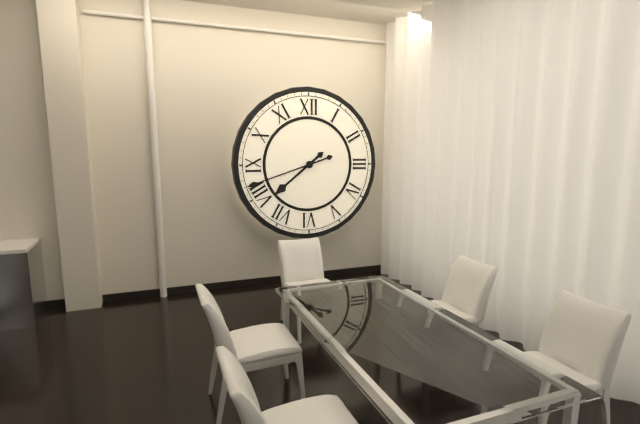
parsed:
7:42
